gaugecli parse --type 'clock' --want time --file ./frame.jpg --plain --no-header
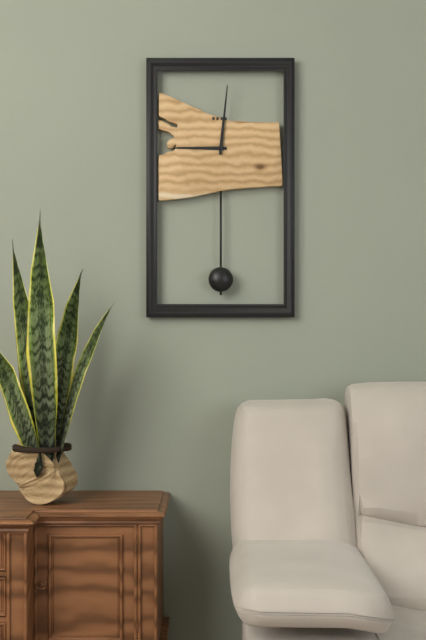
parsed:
9:01
